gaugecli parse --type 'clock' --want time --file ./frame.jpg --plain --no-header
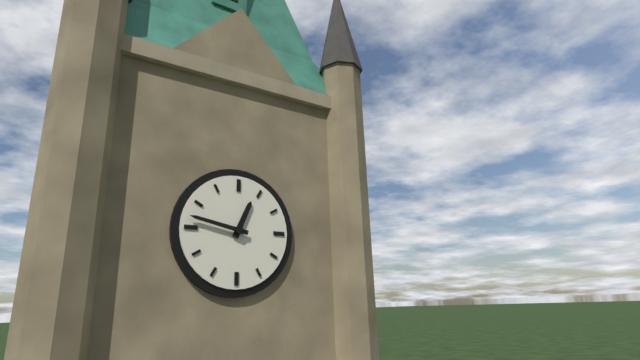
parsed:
12:47
